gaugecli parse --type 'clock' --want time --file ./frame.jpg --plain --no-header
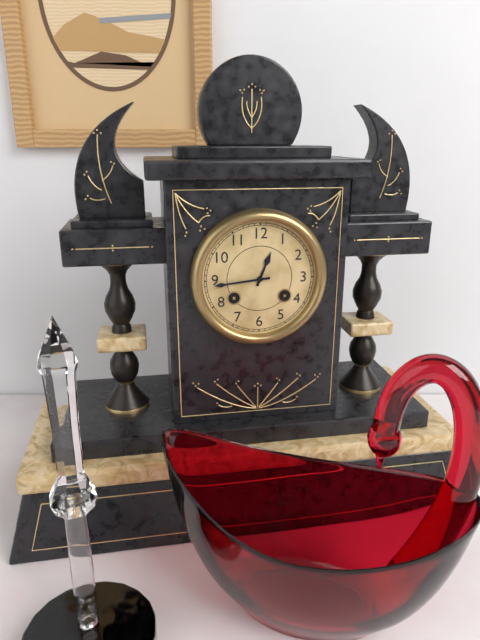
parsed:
12:44
